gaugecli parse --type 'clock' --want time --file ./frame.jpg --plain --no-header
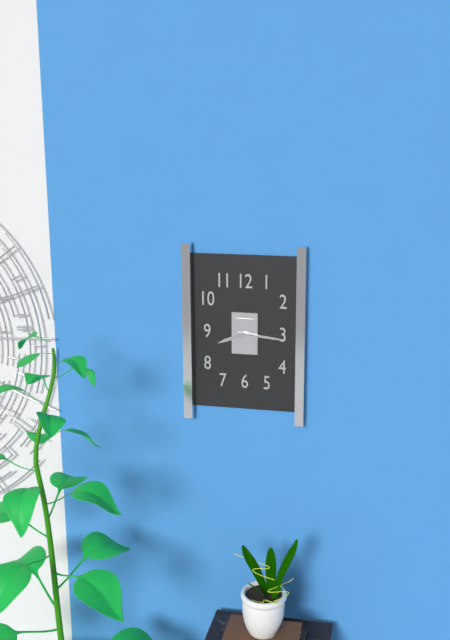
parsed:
8:16
